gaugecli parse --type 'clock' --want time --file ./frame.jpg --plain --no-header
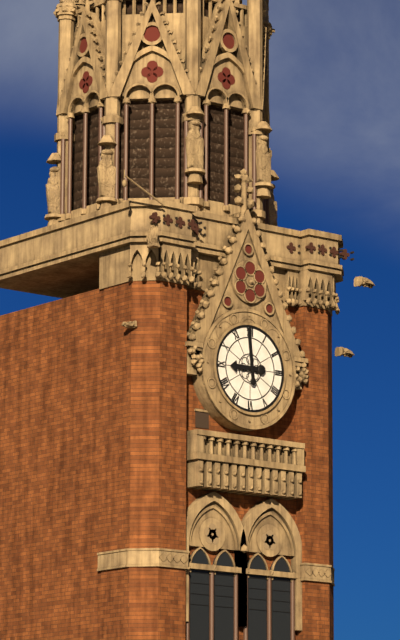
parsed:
8:59
